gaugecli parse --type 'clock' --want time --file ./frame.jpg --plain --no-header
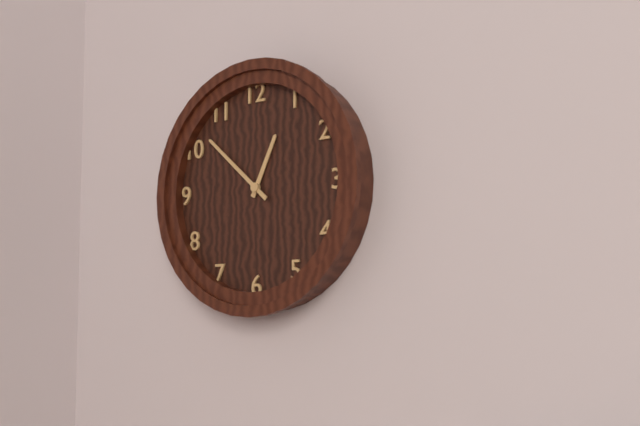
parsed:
12:52
